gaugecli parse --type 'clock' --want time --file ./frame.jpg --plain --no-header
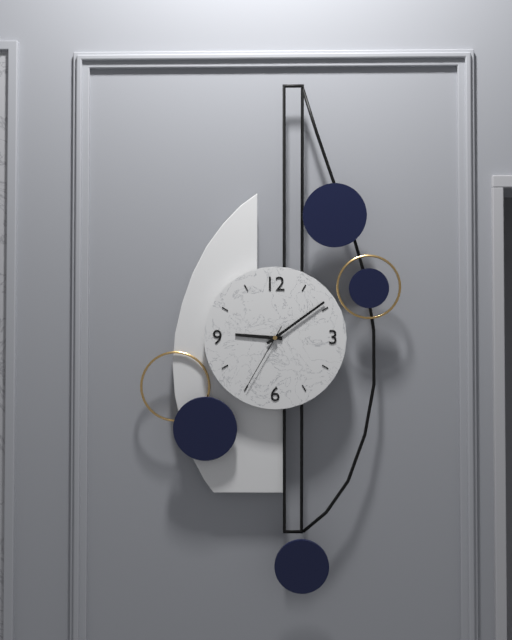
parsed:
9:09:35
